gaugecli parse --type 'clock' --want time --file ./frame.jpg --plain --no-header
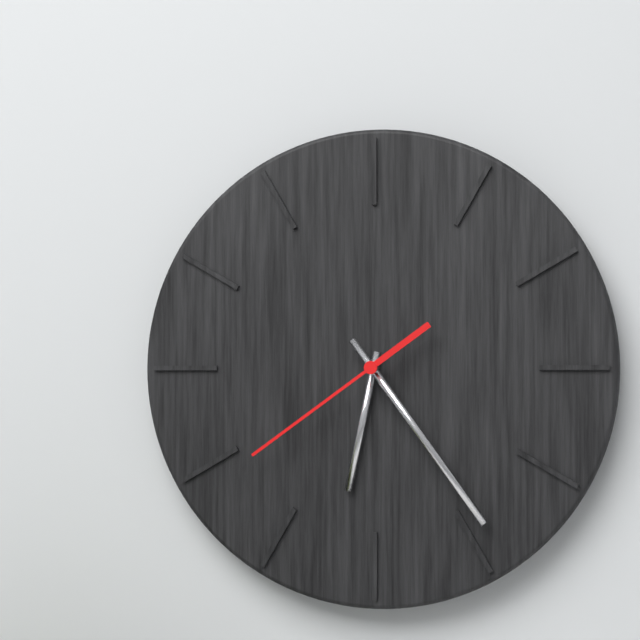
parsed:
6:24:39
